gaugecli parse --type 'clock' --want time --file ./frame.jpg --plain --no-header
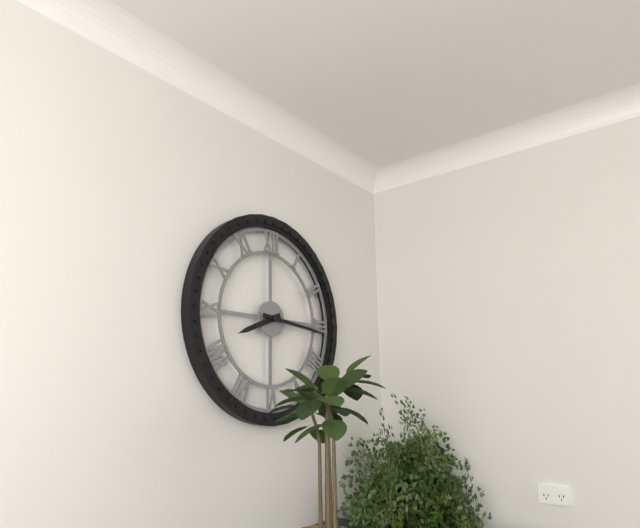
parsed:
8:16
